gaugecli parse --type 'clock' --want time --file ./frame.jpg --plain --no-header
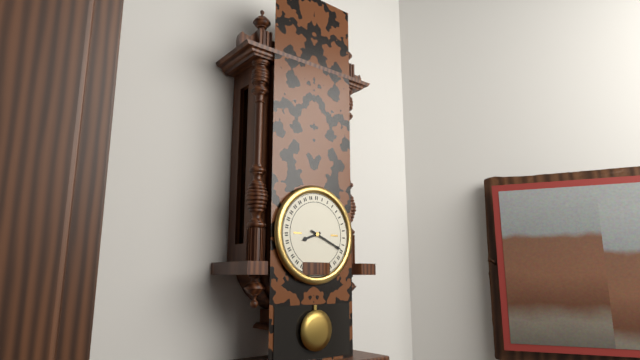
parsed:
8:19
